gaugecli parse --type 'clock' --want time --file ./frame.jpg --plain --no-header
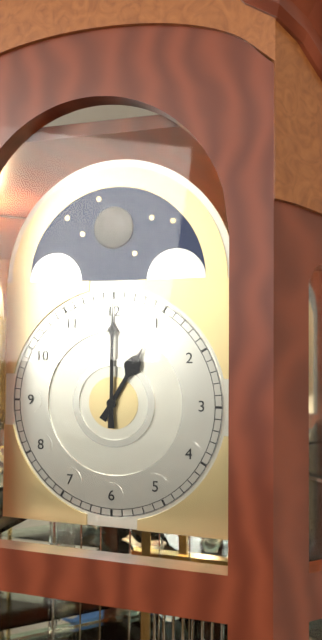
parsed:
1:00
